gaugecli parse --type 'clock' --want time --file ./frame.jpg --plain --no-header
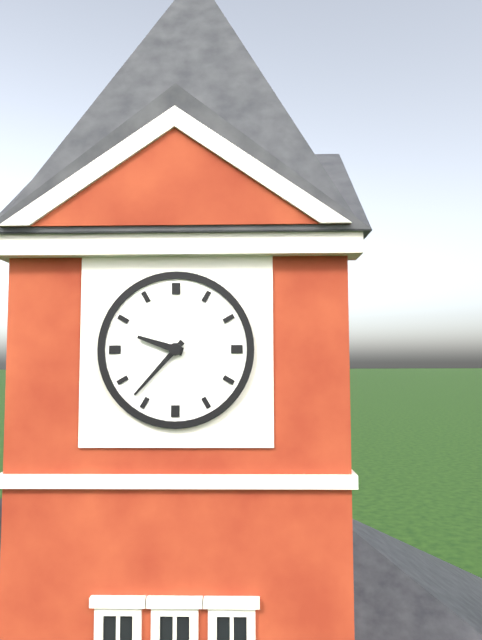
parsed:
9:37
